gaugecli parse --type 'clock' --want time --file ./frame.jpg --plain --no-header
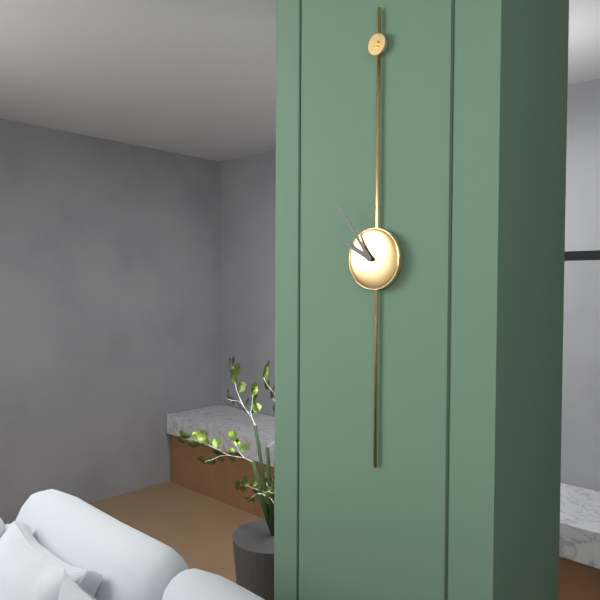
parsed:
9:54
